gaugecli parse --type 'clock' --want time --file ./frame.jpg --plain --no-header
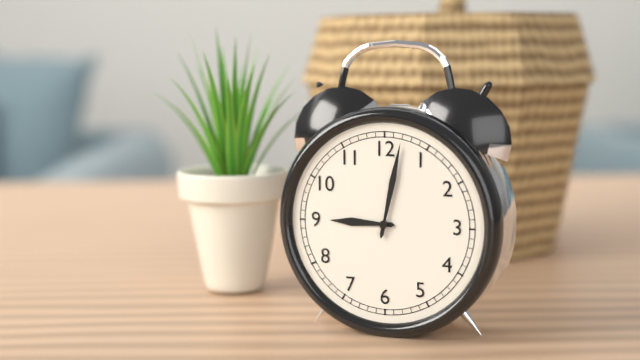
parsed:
9:02
